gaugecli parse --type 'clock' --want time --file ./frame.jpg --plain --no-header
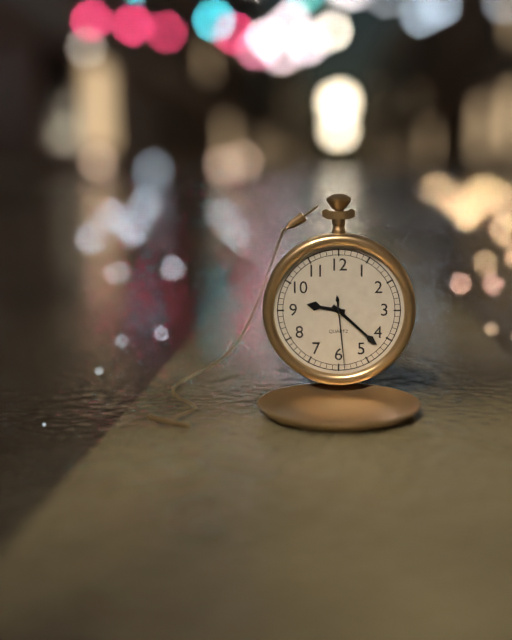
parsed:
9:22:29
